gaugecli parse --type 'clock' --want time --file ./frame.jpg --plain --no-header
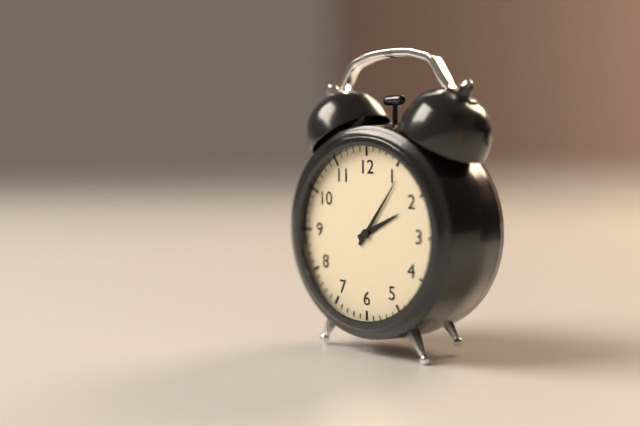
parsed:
2:06
